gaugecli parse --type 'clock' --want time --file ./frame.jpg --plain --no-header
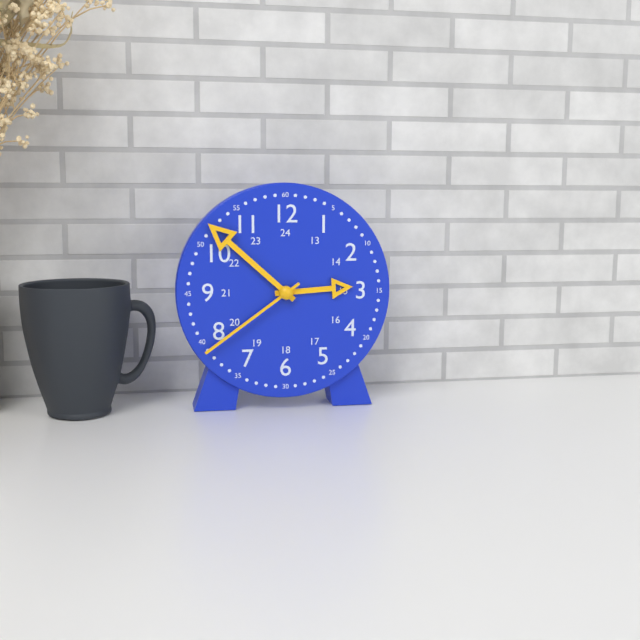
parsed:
2:52:39
